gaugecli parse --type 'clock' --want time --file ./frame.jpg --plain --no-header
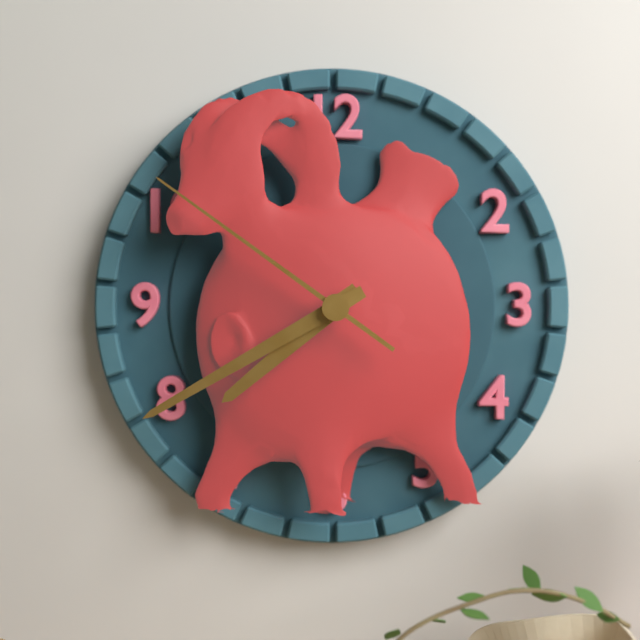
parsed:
7:40:51
